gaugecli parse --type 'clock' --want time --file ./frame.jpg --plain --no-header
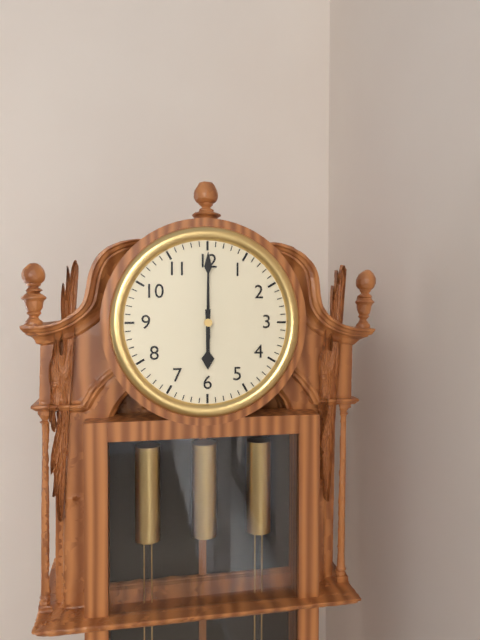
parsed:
6:00
